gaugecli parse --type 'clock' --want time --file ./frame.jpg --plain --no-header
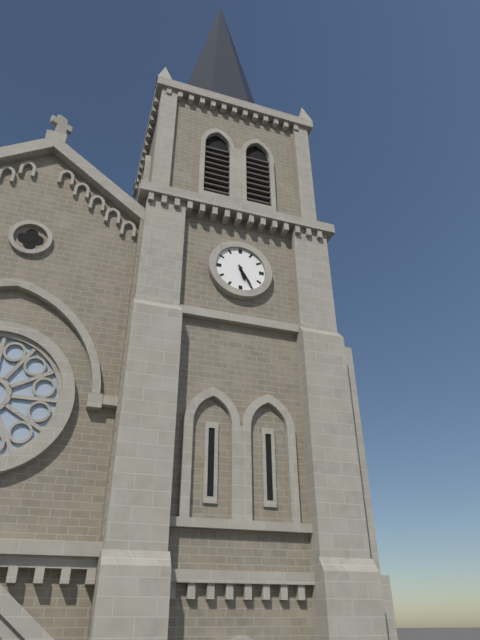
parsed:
5:25
